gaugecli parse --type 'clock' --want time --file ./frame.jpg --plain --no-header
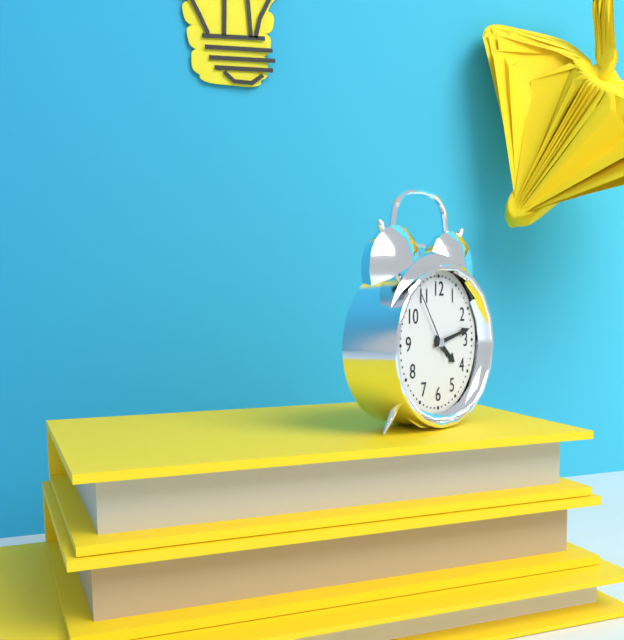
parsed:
4:13:54
